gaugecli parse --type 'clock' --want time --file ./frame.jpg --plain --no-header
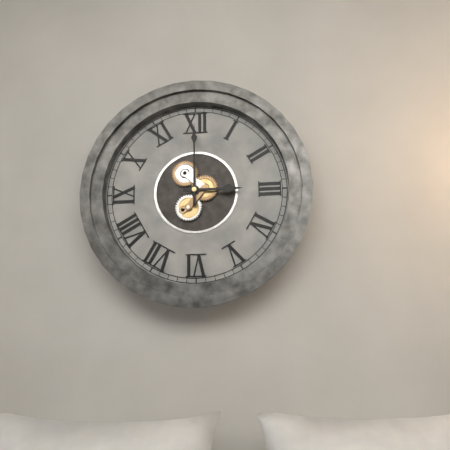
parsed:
3:00
